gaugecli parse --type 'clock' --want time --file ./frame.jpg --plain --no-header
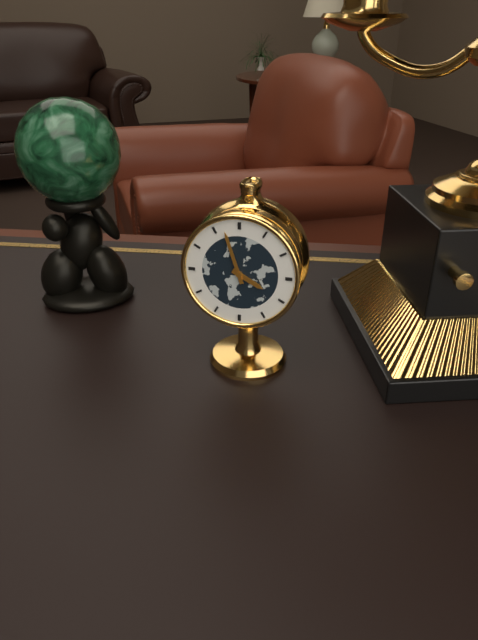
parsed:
3:57
